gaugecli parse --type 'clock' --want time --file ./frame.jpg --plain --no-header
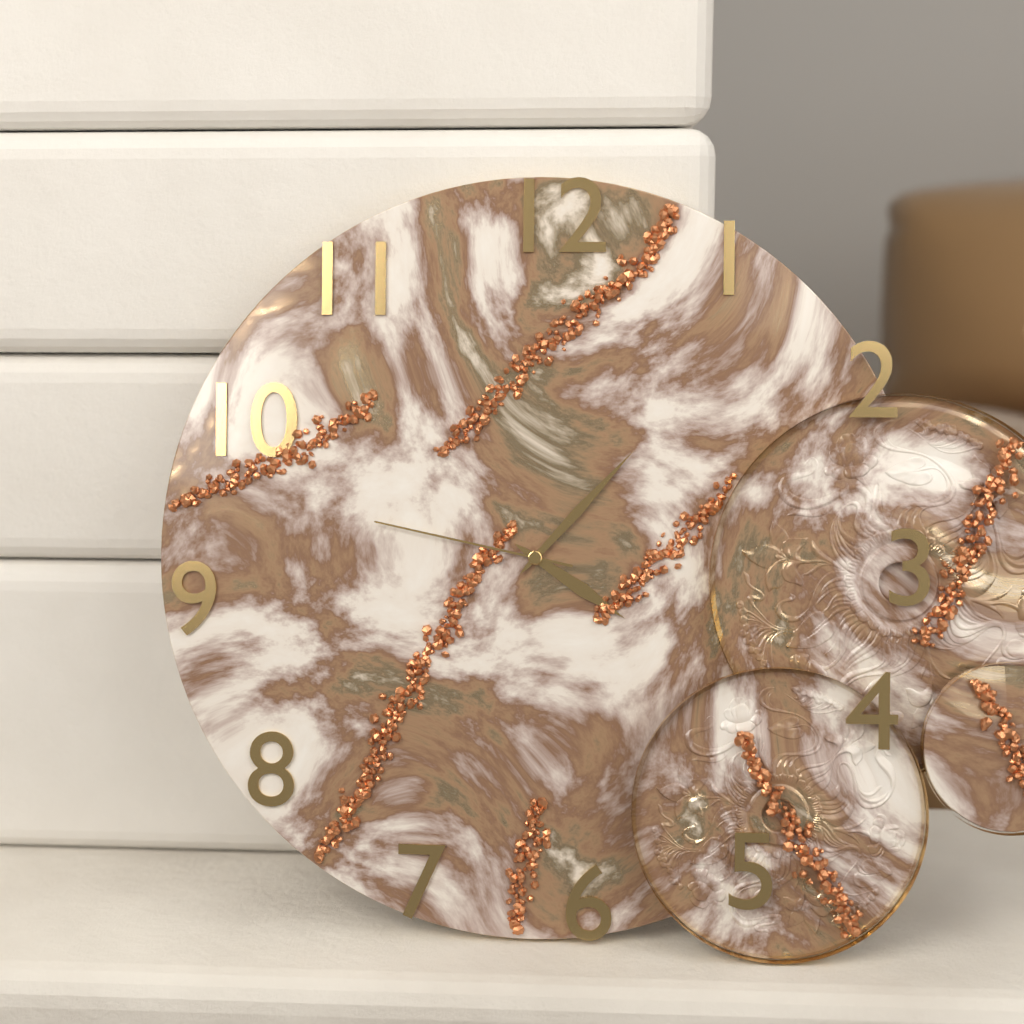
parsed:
4:07:47
